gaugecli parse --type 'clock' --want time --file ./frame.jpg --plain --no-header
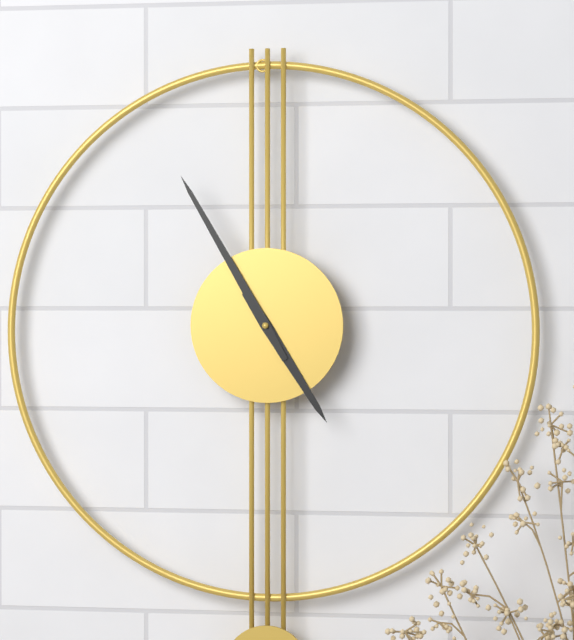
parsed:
4:55
